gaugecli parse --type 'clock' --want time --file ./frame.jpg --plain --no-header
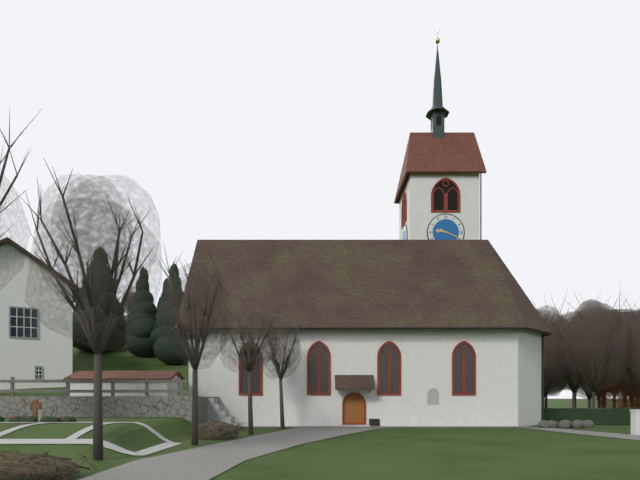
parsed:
9:19
